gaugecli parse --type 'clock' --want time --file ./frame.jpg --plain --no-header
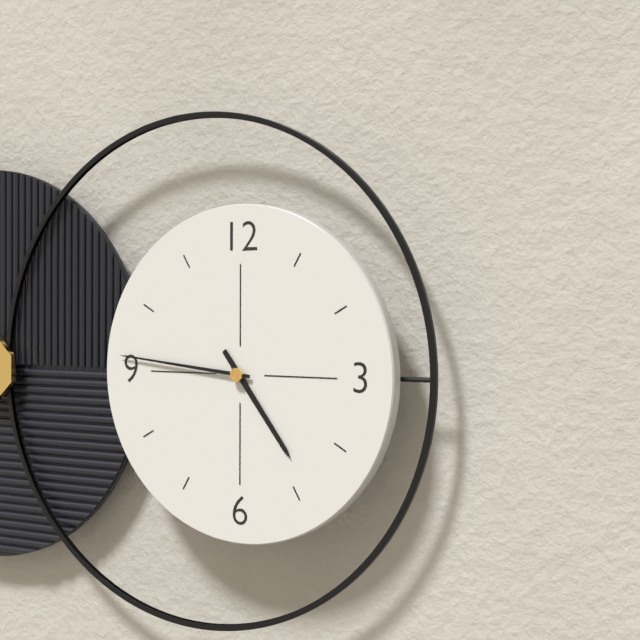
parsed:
4:46
